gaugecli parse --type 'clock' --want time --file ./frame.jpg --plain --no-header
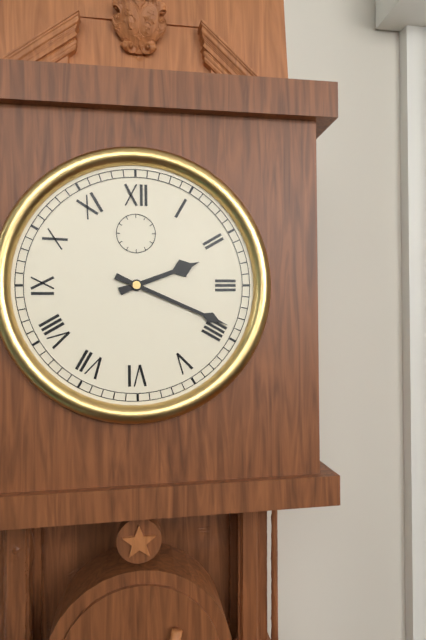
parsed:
2:19
